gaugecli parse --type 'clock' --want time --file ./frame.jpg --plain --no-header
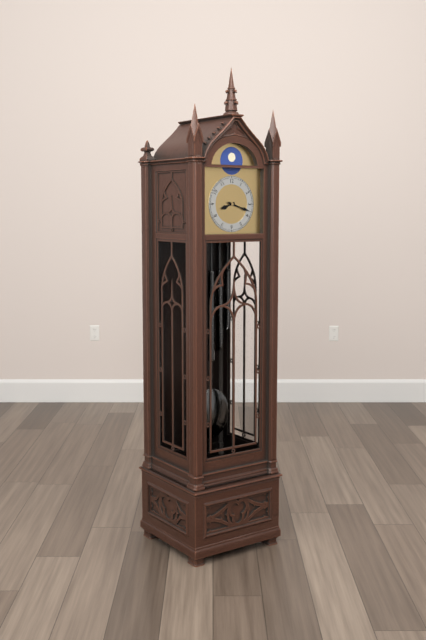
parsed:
8:18
